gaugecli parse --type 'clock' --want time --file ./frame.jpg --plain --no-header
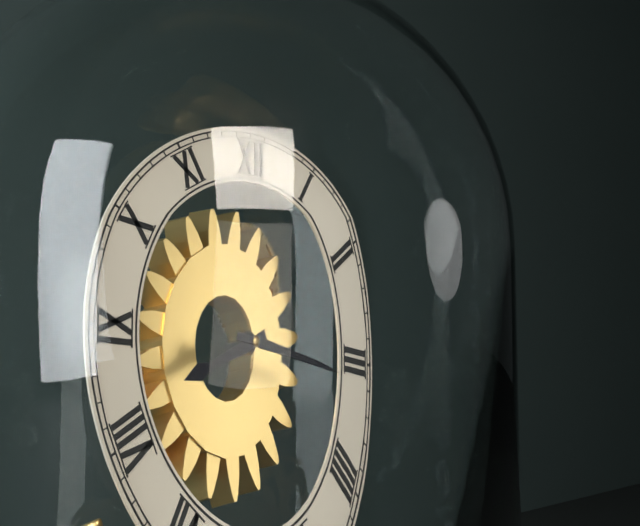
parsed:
8:16
